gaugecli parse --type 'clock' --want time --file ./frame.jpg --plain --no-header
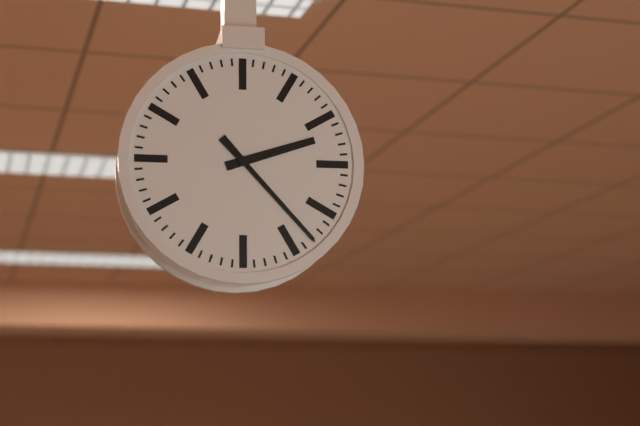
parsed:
2:23
